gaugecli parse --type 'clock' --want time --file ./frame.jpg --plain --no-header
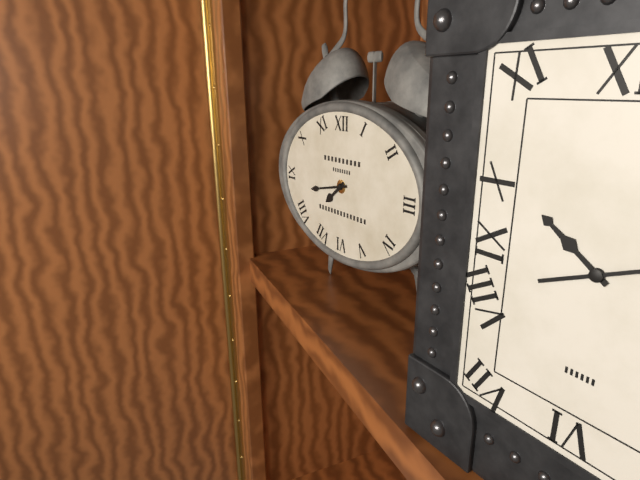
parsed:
7:43
